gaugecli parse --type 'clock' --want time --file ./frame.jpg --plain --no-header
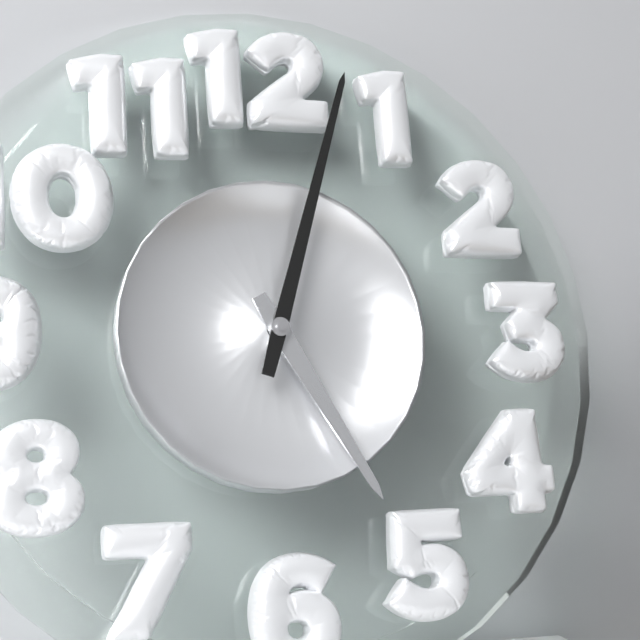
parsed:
5:03
